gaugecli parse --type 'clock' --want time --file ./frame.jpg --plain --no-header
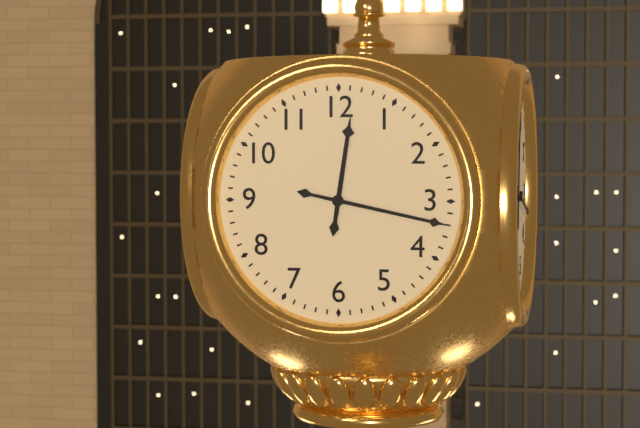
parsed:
12:17
